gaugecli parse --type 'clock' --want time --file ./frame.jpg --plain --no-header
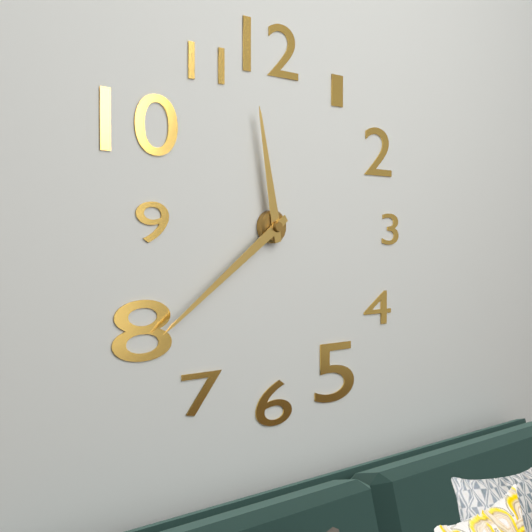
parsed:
11:39
